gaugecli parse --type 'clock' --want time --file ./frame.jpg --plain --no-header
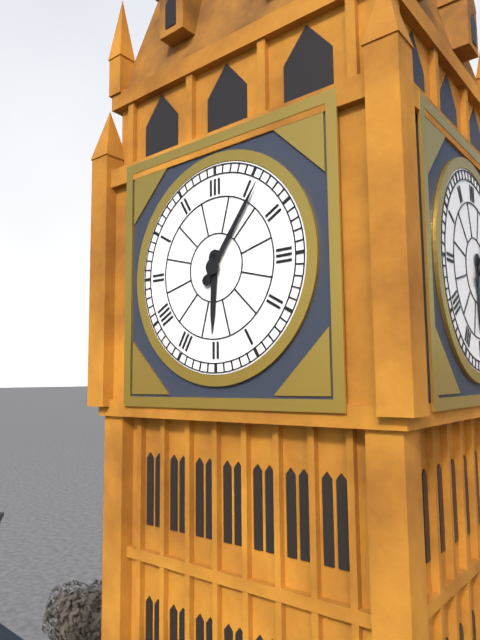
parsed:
6:06
